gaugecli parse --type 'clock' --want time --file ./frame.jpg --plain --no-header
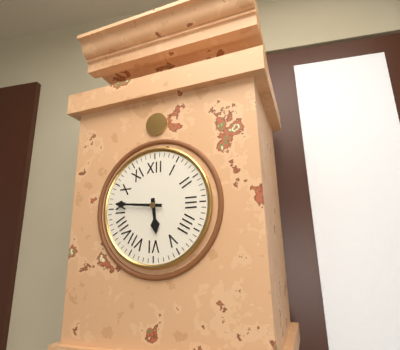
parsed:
5:46
